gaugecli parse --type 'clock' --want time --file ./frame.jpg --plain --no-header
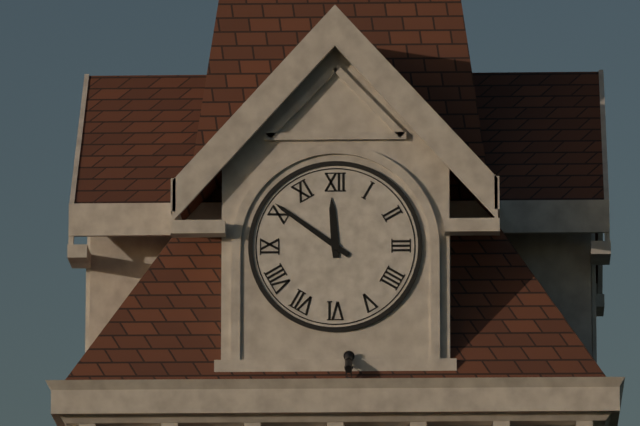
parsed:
11:51
